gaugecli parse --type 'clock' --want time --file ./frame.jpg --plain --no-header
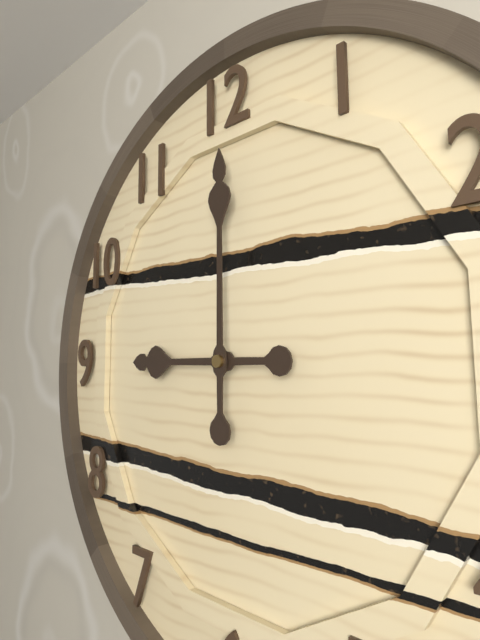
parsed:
9:00
